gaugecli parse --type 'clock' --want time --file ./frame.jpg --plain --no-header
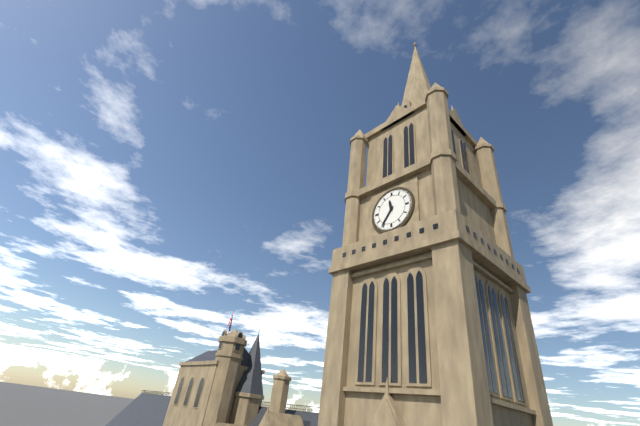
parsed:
11:36
